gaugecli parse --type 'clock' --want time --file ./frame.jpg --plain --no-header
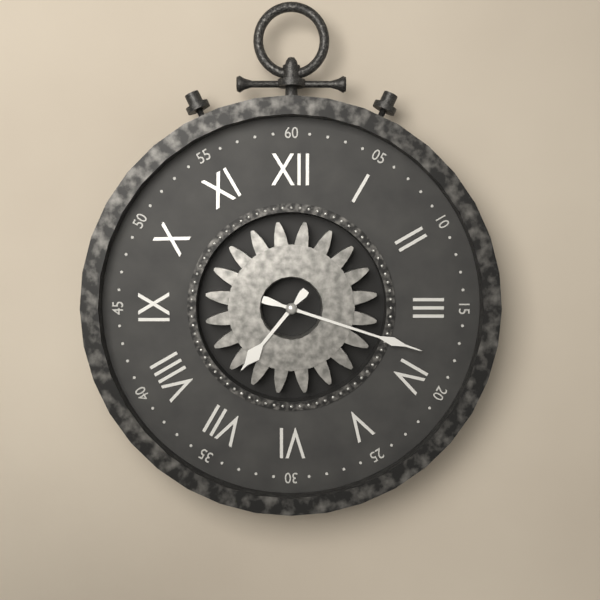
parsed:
7:18
